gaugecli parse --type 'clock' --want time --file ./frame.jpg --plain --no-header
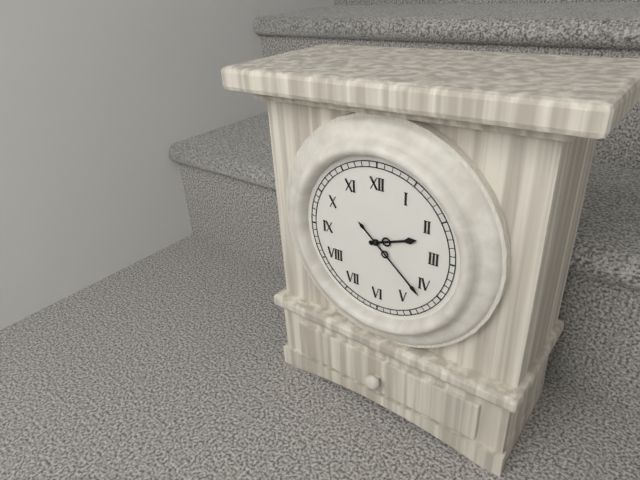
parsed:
2:22
